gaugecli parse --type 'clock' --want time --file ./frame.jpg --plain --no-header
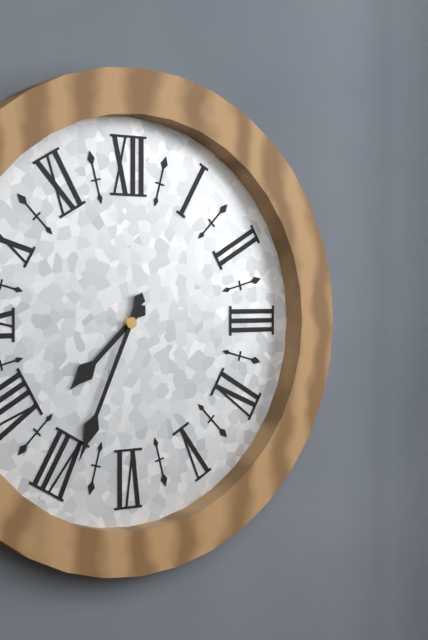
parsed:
7:34
